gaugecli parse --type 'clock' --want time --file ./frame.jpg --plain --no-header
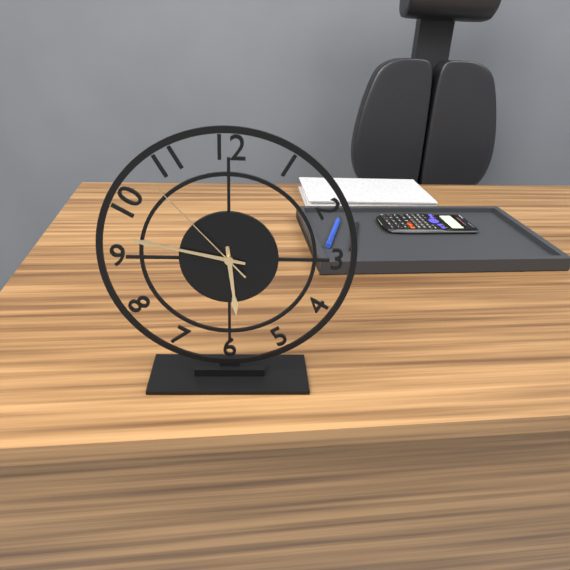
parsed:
5:47:53
